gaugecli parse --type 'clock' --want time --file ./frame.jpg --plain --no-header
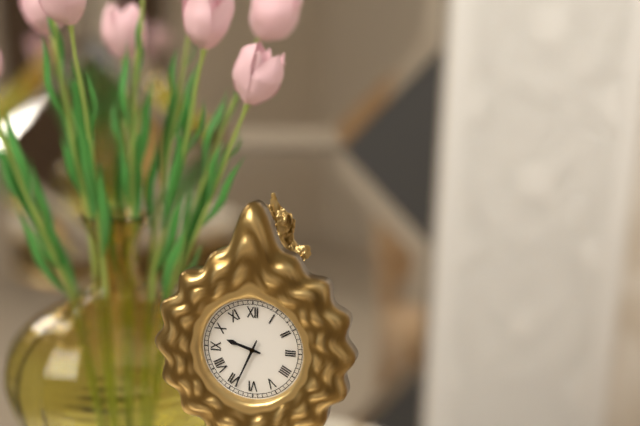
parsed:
9:34
